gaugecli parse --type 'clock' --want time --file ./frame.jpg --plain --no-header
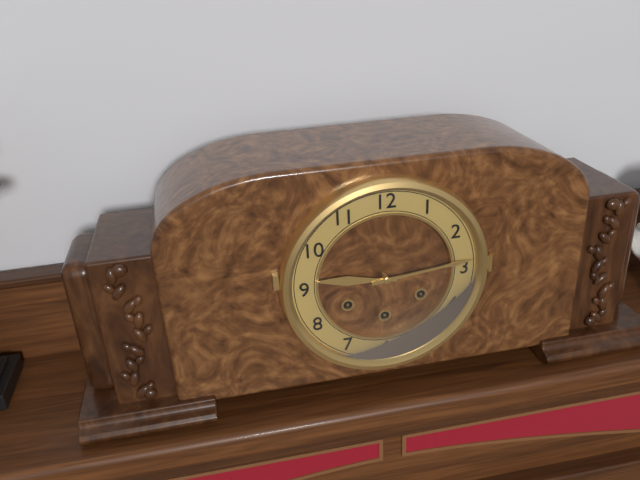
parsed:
9:14
